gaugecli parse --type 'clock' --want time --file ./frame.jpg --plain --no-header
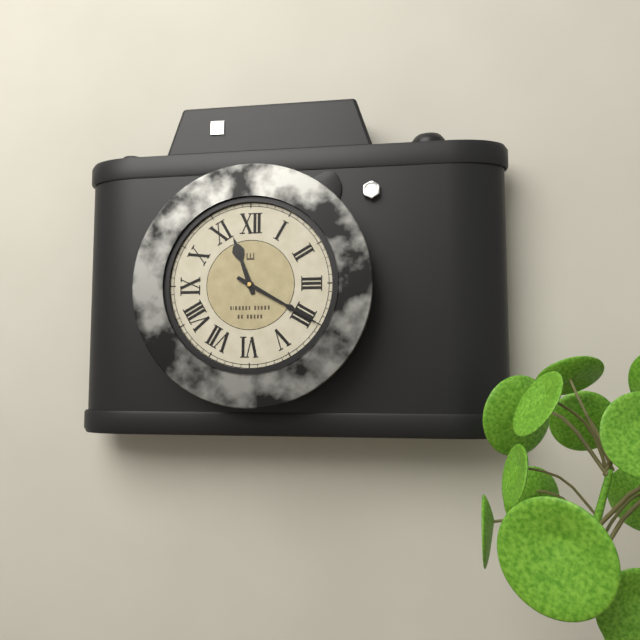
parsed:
11:20
